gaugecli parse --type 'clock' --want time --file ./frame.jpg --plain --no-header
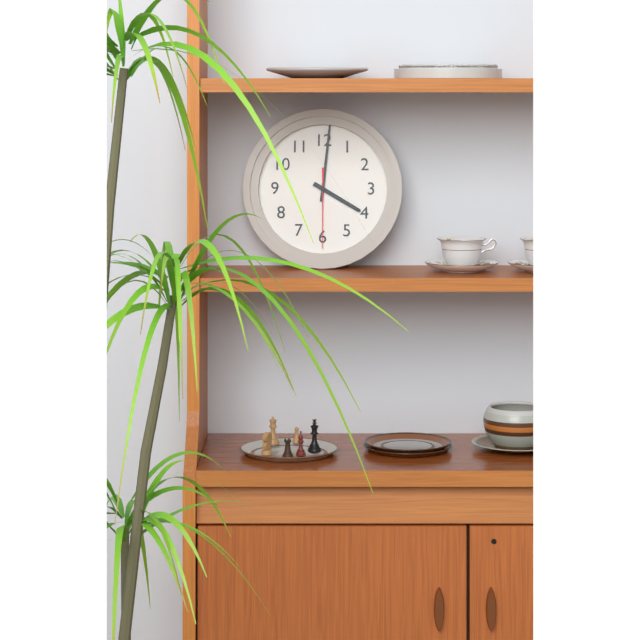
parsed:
4:01:30
